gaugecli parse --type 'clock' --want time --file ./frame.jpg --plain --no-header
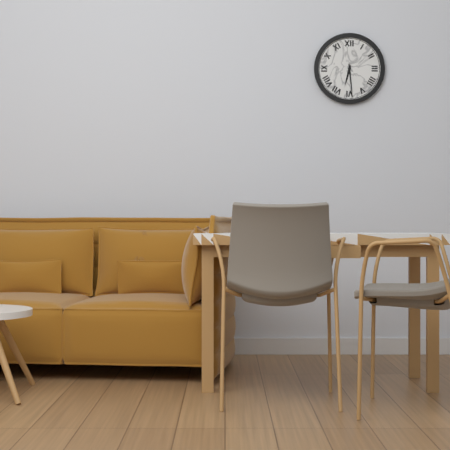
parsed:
6:29
